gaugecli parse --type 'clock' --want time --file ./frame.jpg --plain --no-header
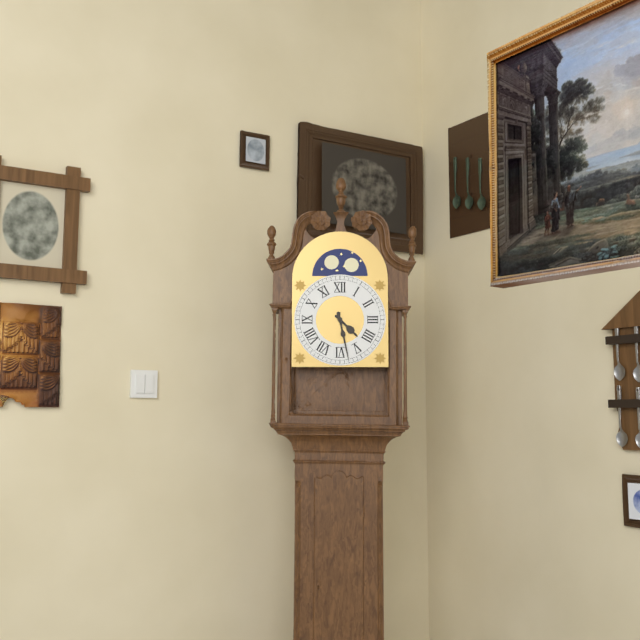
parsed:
4:28
